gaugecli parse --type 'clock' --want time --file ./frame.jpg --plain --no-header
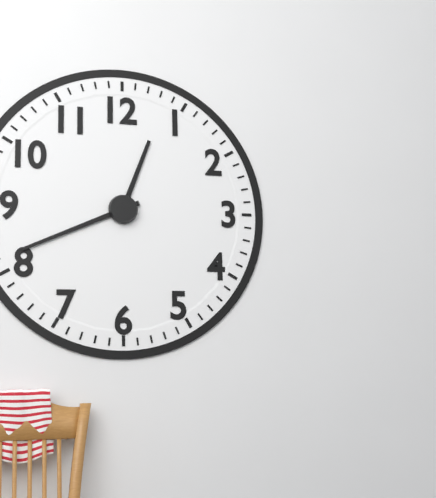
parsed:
12:41
